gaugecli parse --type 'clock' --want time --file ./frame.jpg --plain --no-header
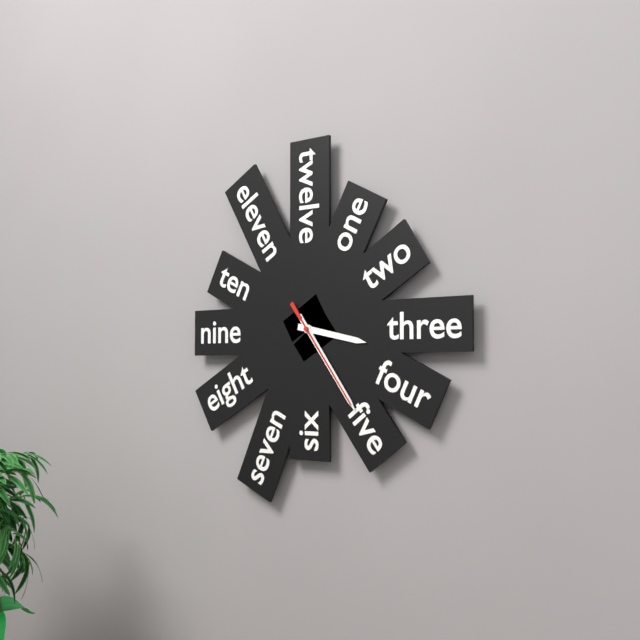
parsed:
3:24:24
